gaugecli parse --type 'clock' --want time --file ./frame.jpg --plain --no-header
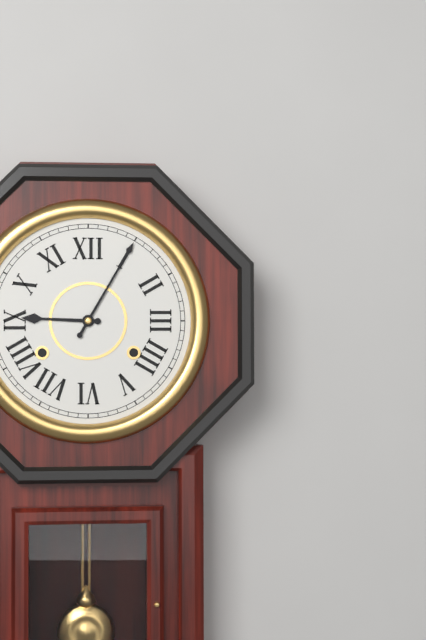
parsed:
9:05
